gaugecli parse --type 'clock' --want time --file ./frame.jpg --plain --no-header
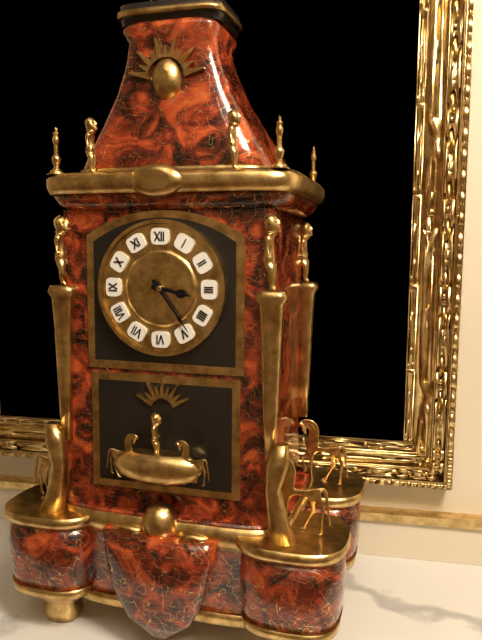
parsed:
3:24
